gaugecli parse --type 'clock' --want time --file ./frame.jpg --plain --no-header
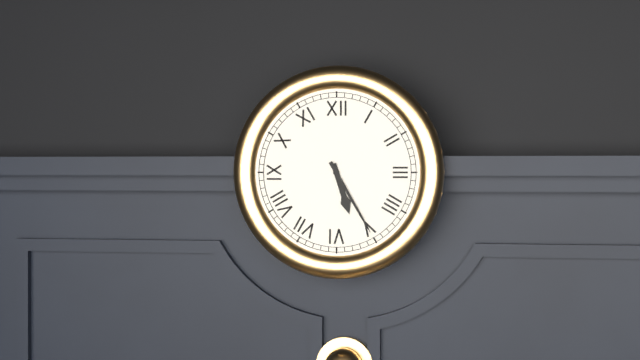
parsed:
5:25
